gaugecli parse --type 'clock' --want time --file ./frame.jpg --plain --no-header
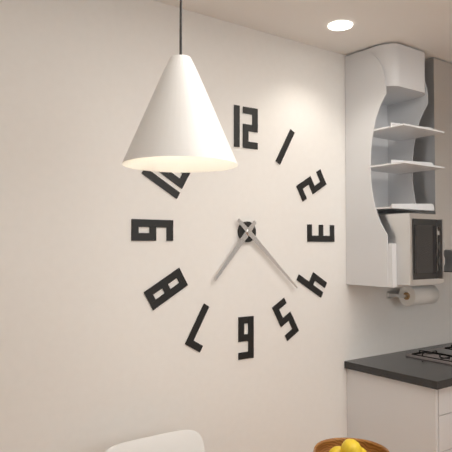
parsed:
7:22
